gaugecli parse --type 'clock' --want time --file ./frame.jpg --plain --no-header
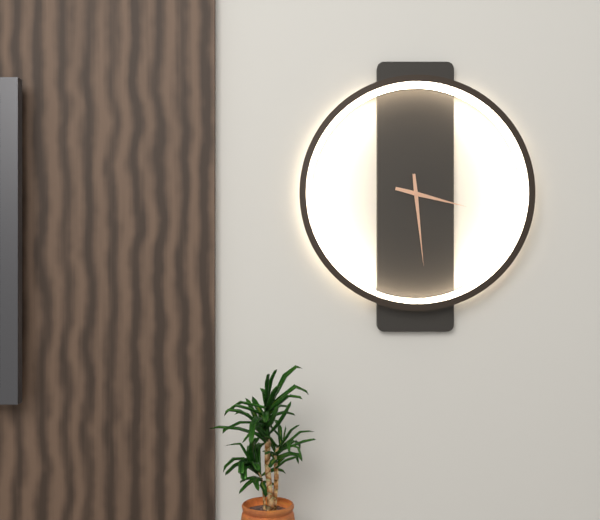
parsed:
3:29
